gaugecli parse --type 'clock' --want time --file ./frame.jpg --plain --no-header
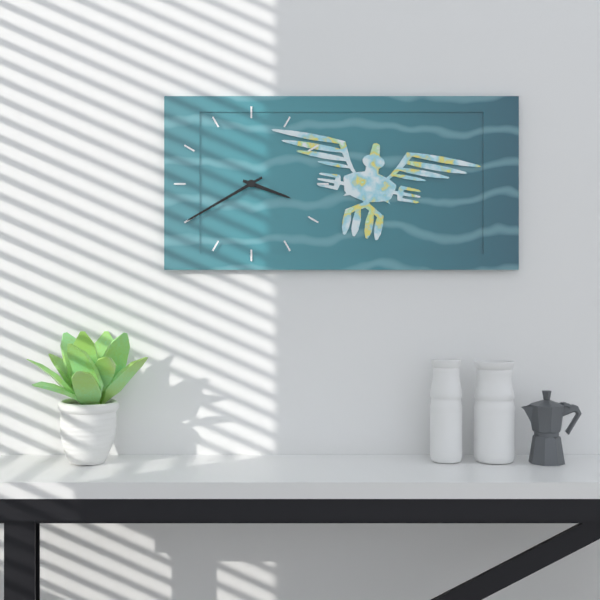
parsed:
3:40
